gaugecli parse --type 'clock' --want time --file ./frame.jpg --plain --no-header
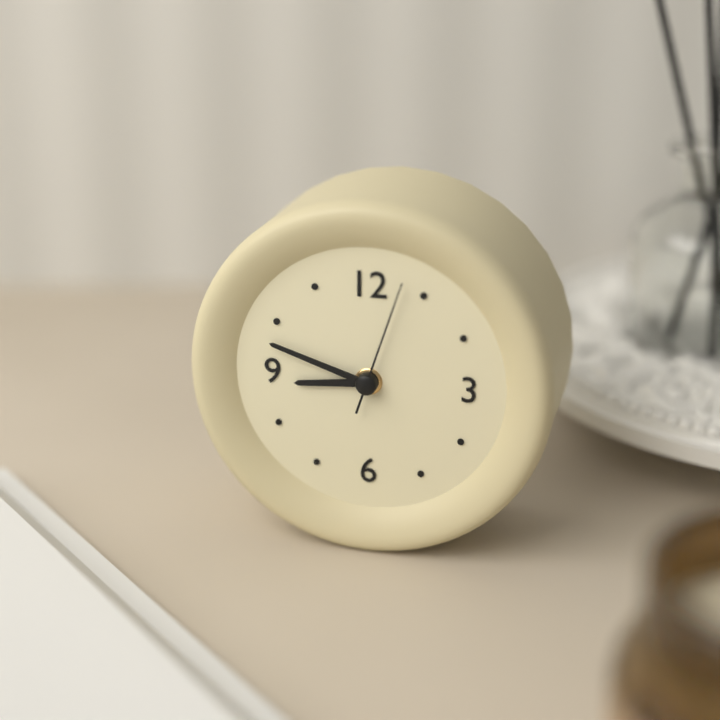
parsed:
8:48:03
